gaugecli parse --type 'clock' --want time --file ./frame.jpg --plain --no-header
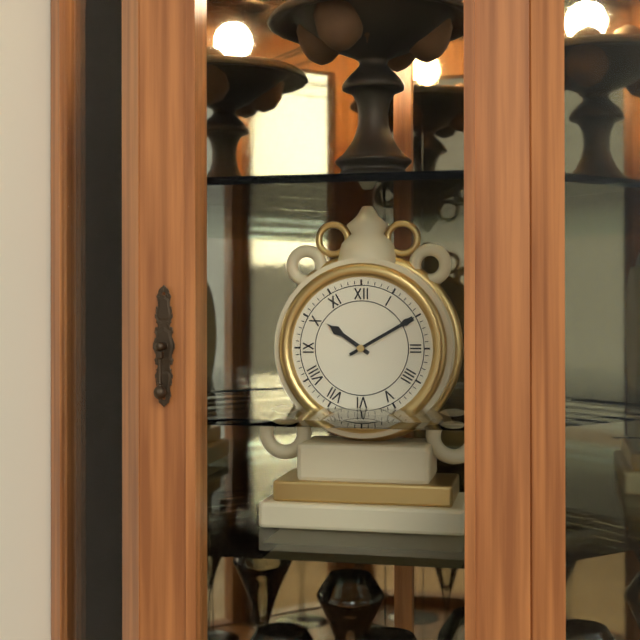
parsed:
10:10
